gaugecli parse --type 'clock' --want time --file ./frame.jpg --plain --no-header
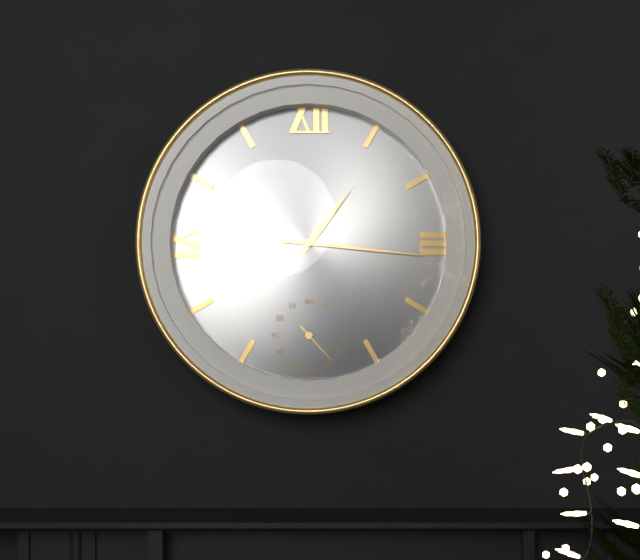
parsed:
1:16
